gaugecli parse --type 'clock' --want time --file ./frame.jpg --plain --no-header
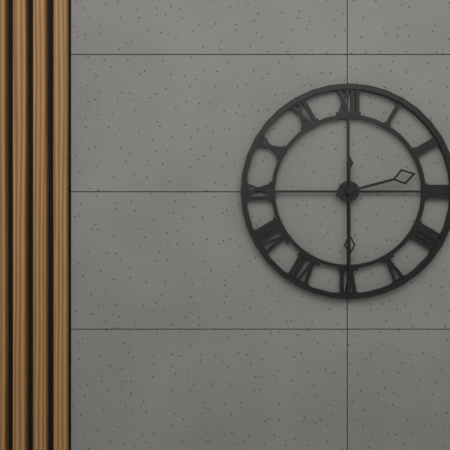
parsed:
2:30
